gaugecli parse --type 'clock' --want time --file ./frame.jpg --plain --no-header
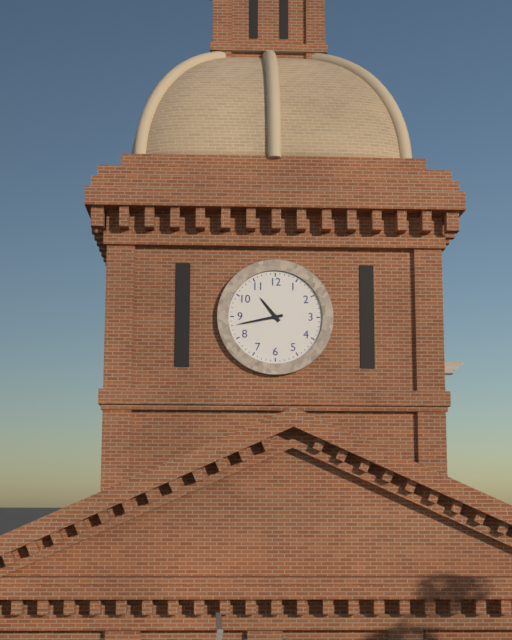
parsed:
10:43
